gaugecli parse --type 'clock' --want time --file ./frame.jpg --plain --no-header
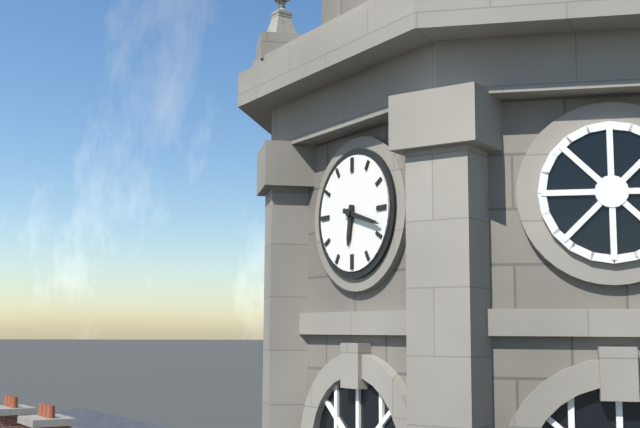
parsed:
6:18
